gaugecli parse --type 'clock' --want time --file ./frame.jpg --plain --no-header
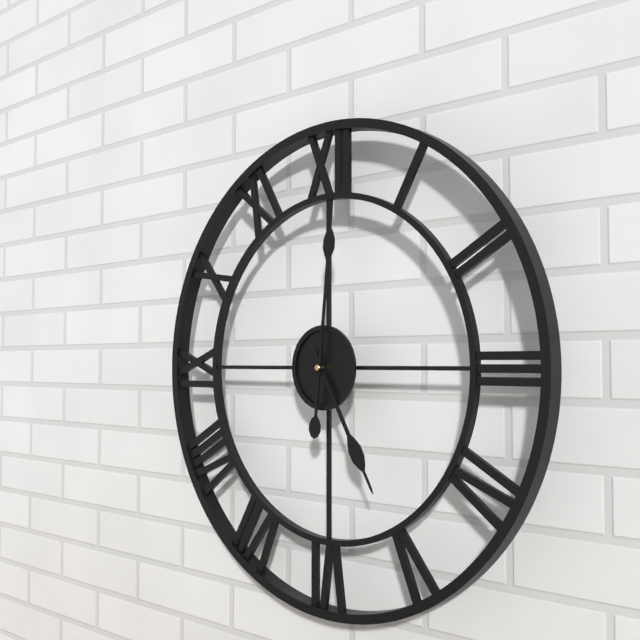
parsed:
5:01
